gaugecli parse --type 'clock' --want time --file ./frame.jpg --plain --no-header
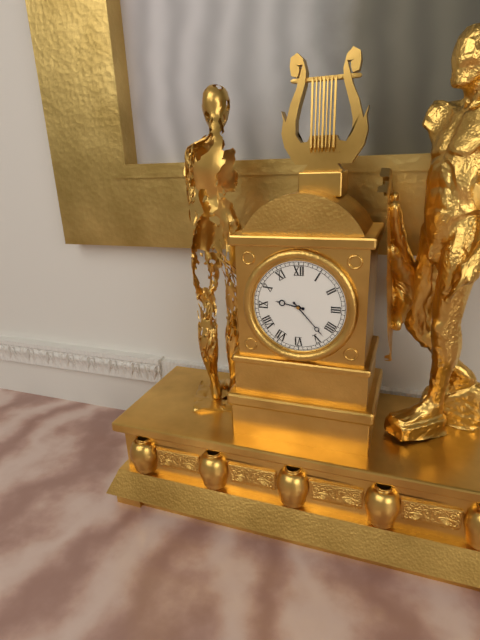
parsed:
9:23
